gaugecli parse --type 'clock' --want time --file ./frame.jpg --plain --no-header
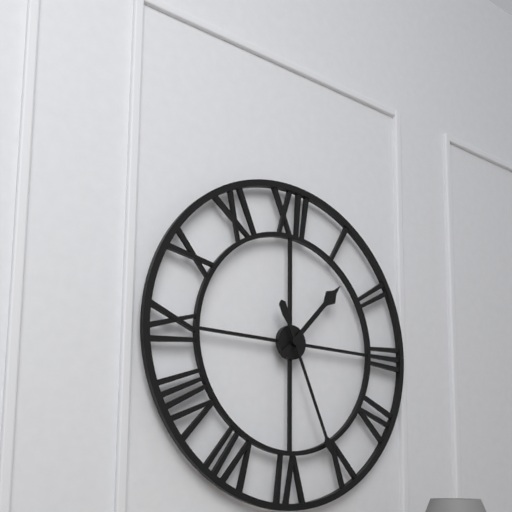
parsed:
1:26
